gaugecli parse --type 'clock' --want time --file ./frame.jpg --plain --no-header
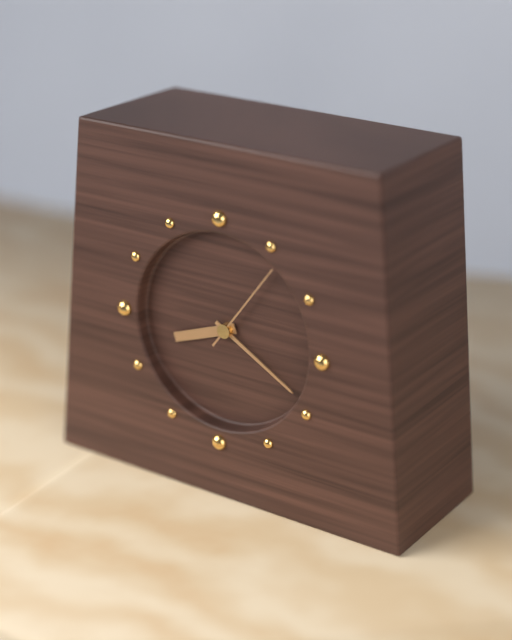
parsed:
8:20:06
